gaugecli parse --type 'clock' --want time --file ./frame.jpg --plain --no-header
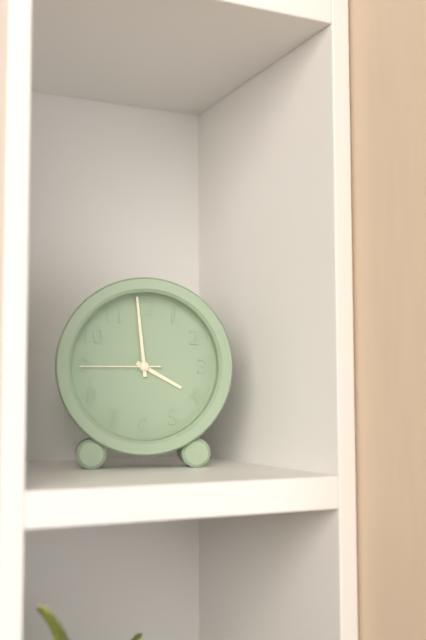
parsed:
3:59:45
